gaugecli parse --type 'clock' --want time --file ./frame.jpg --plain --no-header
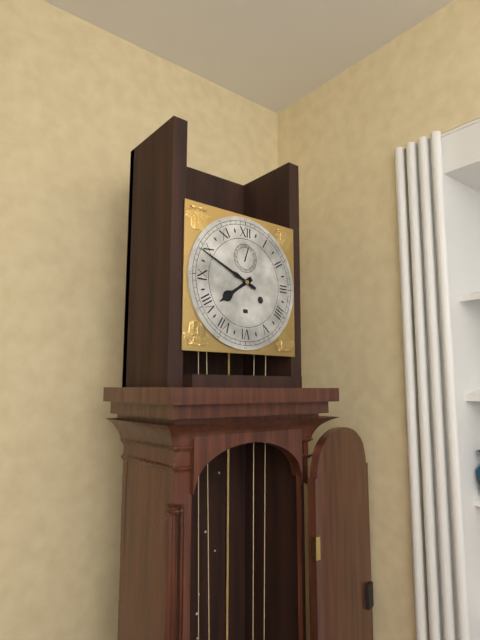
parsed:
7:49
